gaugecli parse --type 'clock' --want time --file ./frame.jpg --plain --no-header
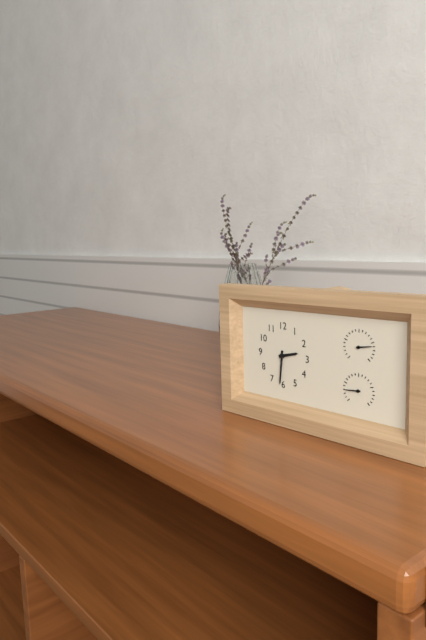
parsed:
2:31
